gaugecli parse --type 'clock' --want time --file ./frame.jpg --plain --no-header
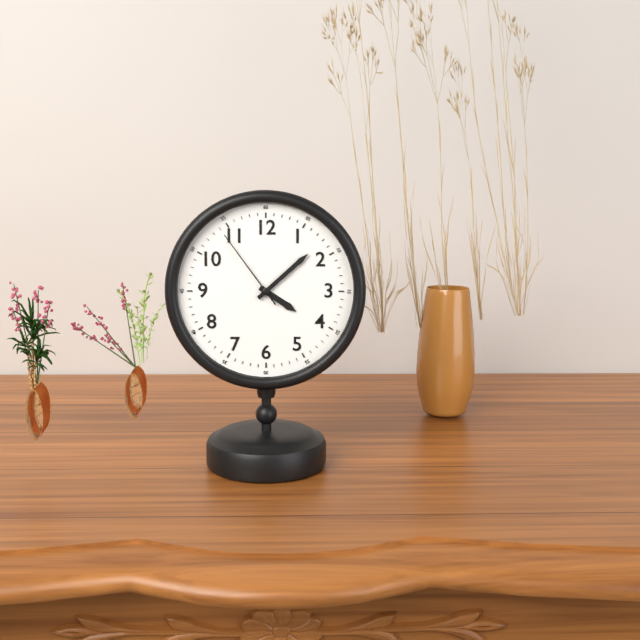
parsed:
4:08:54
